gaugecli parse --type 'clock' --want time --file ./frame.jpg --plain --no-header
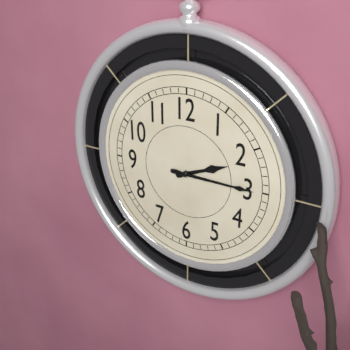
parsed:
2:15
